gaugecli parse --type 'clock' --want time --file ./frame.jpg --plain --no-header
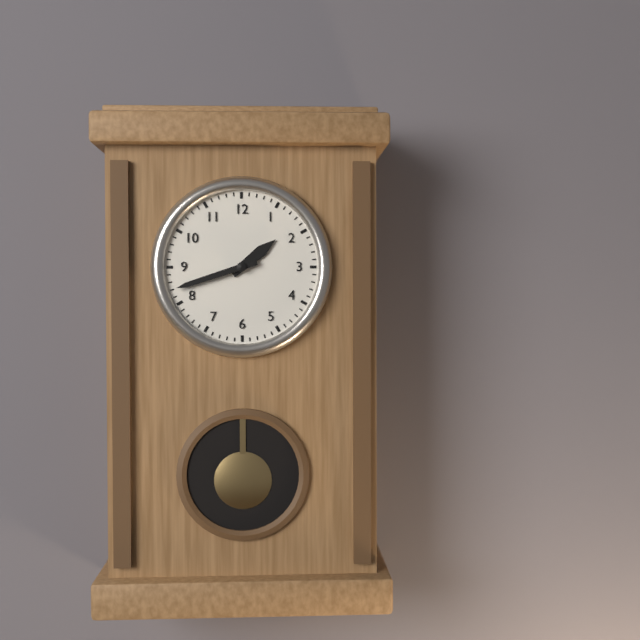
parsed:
1:42
